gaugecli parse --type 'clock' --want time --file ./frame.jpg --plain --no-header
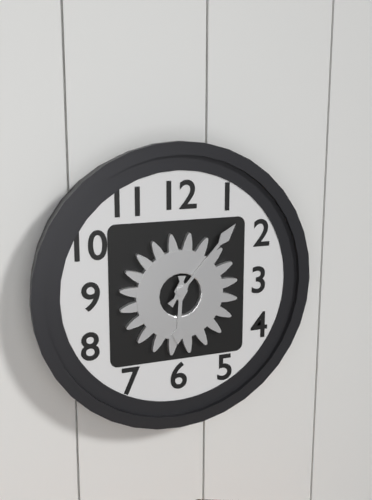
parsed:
6:07
